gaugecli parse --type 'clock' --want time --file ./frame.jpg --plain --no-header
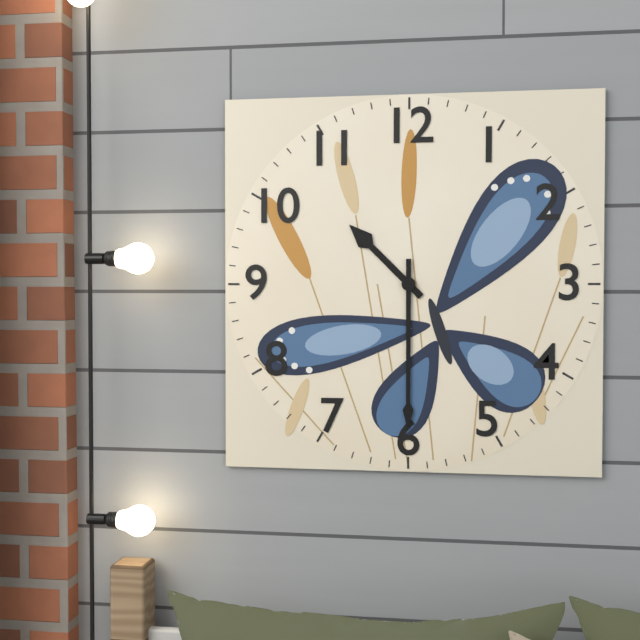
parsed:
10:30
